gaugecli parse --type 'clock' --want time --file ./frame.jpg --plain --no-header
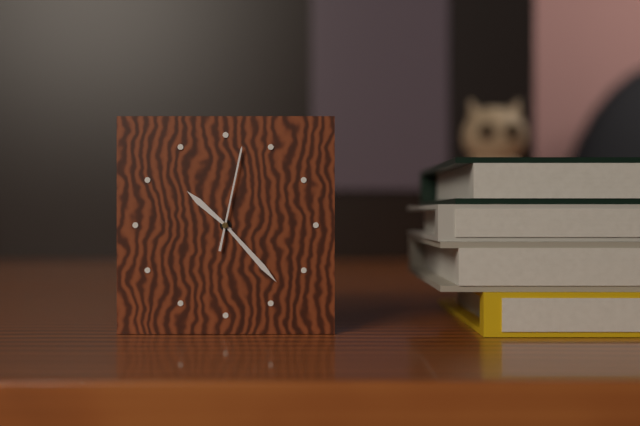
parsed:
10:23:02
